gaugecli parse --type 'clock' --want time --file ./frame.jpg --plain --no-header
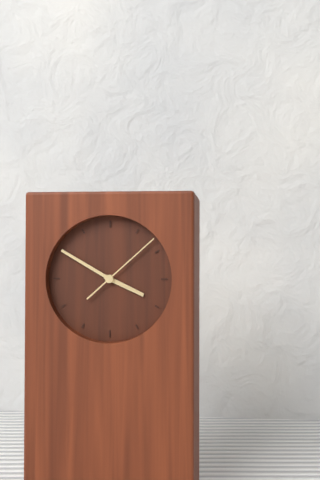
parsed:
3:50:08
